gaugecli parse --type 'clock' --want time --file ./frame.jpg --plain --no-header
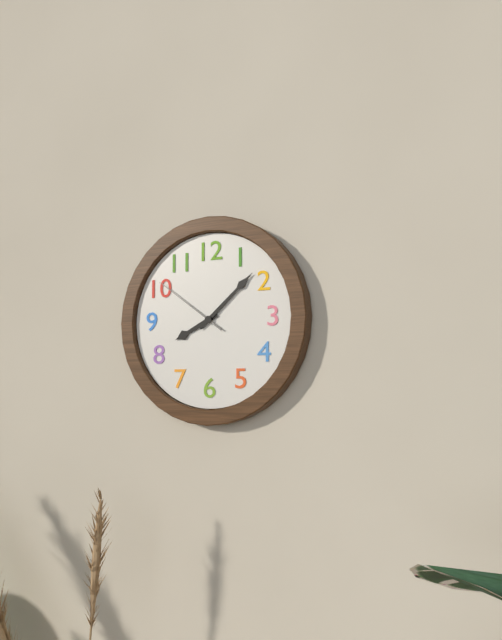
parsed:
8:08:51
